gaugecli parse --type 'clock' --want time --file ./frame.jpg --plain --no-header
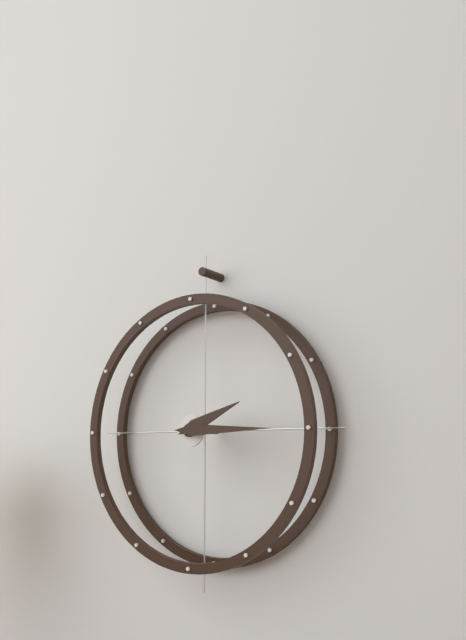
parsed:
2:15
